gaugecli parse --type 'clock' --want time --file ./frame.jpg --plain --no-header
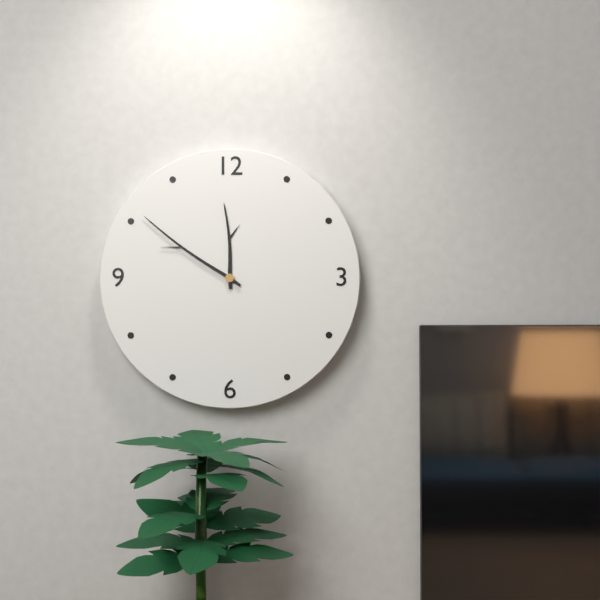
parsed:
11:51
